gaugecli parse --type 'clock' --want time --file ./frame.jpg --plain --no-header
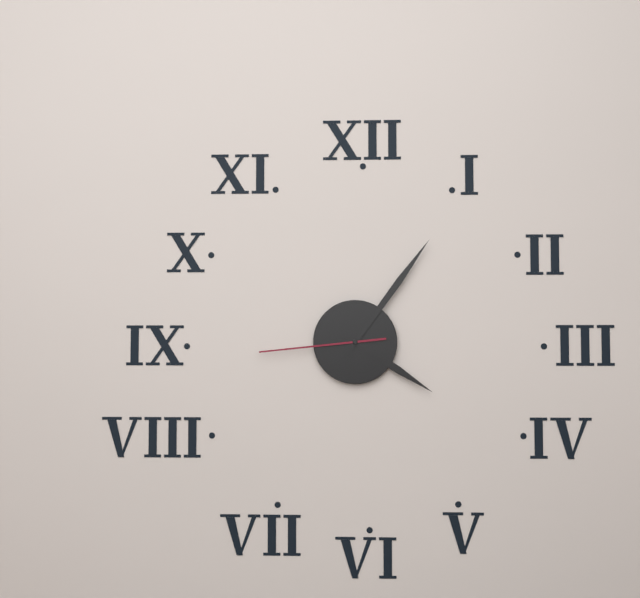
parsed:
4:06:44
